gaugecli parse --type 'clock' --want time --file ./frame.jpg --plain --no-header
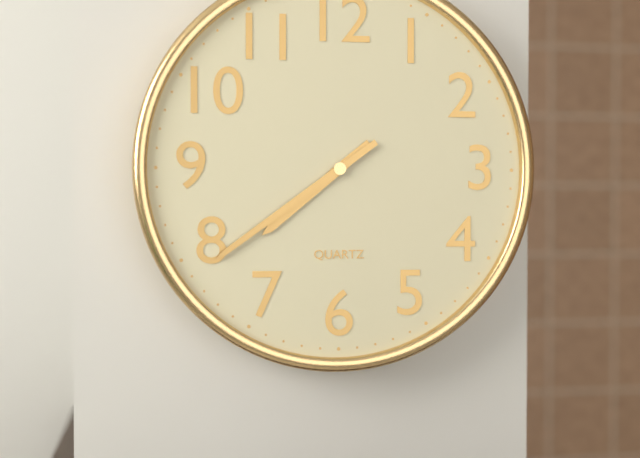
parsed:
7:39
